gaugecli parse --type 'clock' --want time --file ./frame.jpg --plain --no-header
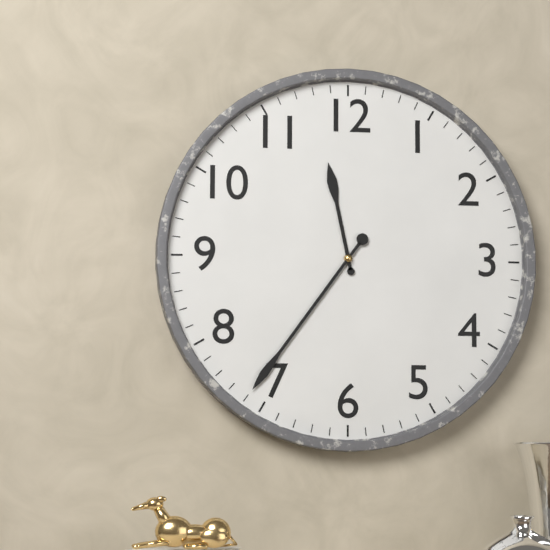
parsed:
11:36
